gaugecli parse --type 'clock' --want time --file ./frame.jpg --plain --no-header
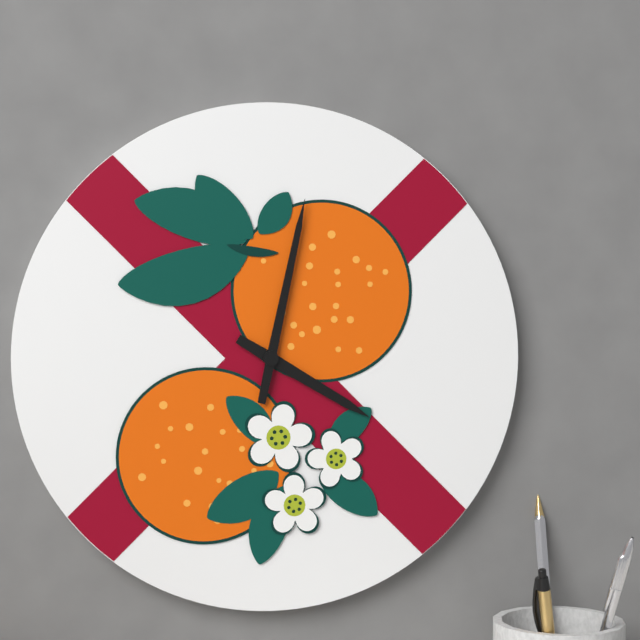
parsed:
4:02
